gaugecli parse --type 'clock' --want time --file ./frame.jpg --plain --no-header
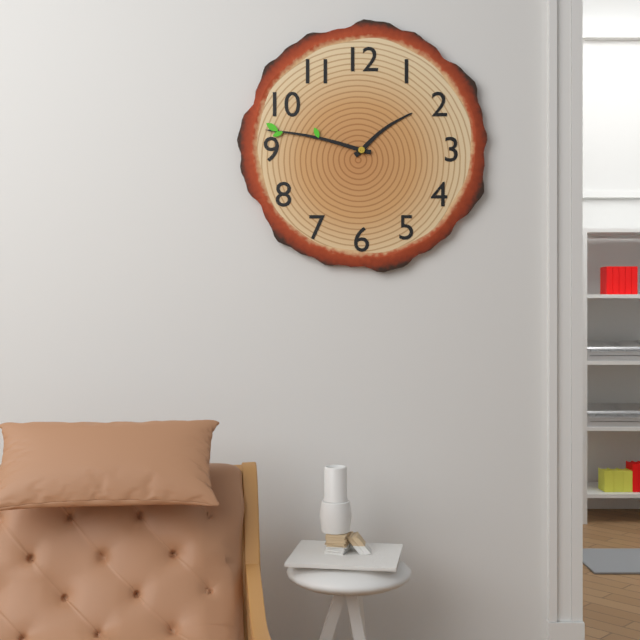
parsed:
1:47
